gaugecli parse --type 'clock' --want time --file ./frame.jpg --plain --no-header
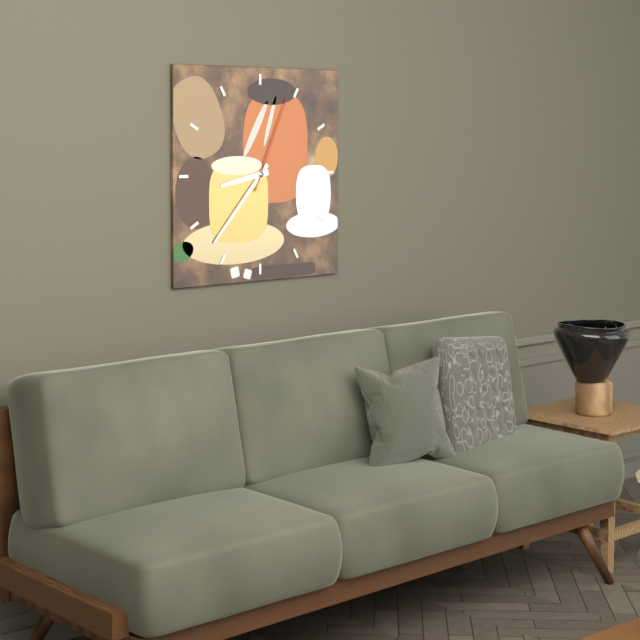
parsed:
8:37:04
